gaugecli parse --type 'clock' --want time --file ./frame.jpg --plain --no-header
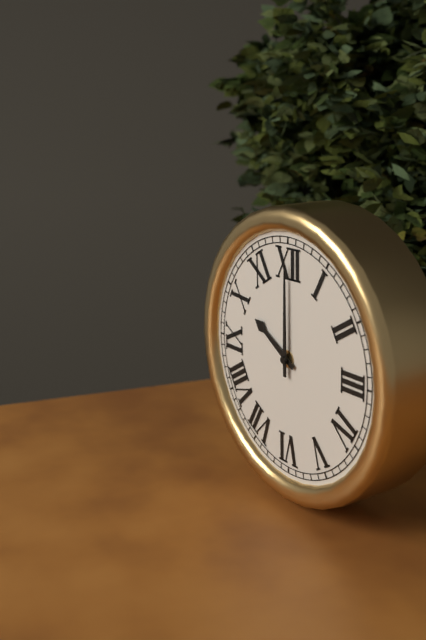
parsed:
10:00
